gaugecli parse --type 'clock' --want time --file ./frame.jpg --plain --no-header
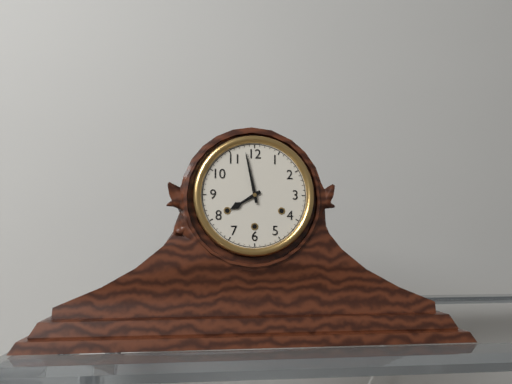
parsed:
7:58
